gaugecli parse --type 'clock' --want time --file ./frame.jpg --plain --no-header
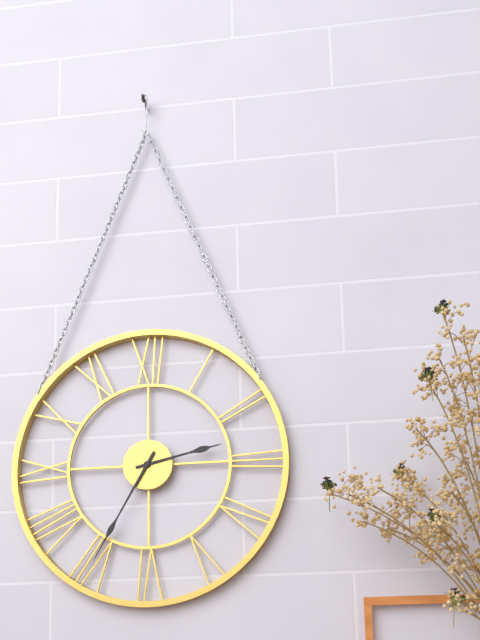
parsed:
2:35
